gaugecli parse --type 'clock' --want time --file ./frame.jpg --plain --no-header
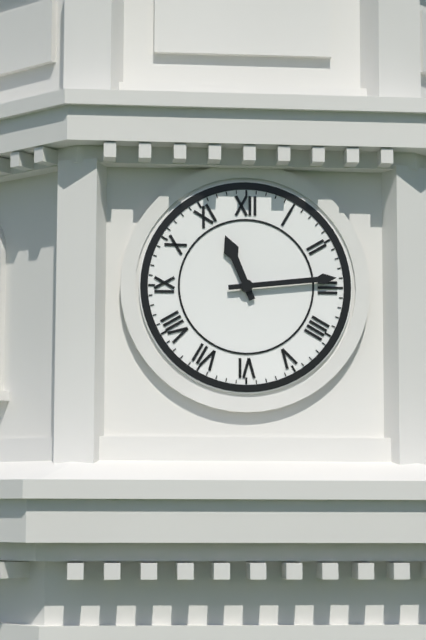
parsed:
11:14
